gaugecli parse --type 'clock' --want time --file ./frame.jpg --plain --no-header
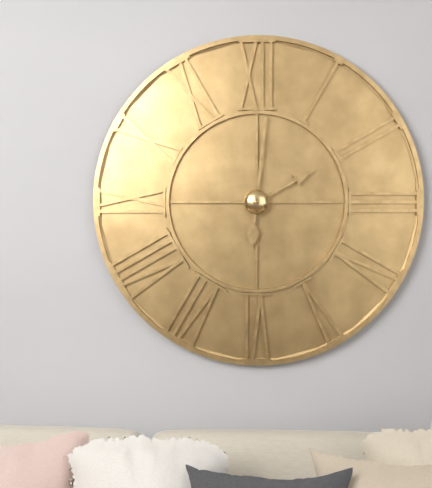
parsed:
2:01
